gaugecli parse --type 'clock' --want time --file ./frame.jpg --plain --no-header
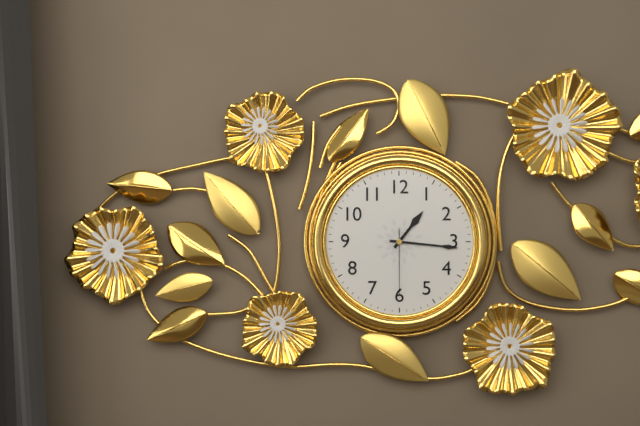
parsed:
1:16:30
